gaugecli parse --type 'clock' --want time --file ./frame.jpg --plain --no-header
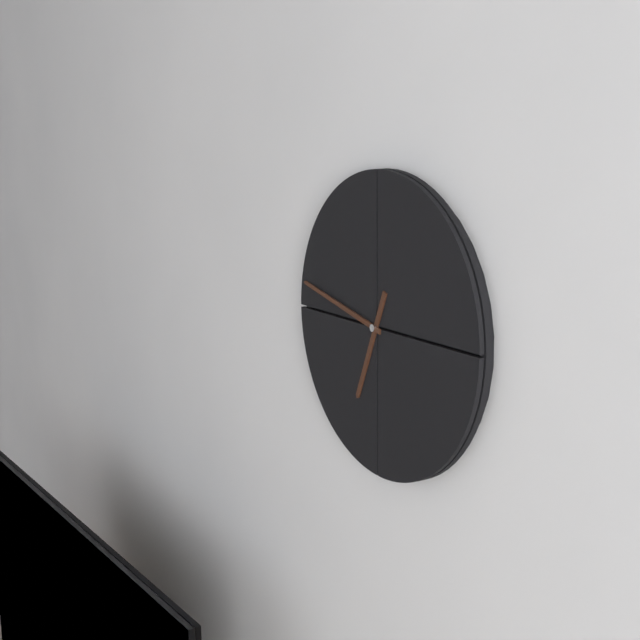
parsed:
6:47
